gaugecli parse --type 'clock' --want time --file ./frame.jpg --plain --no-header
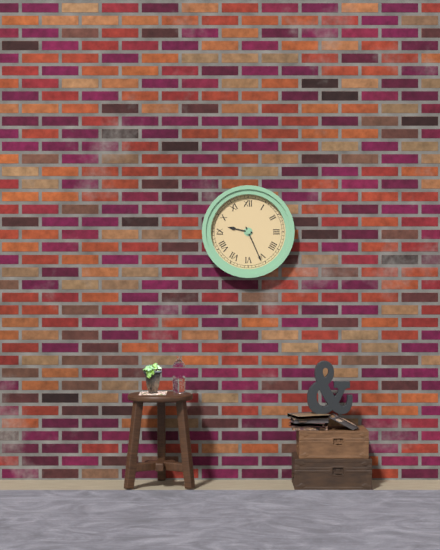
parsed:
9:26
